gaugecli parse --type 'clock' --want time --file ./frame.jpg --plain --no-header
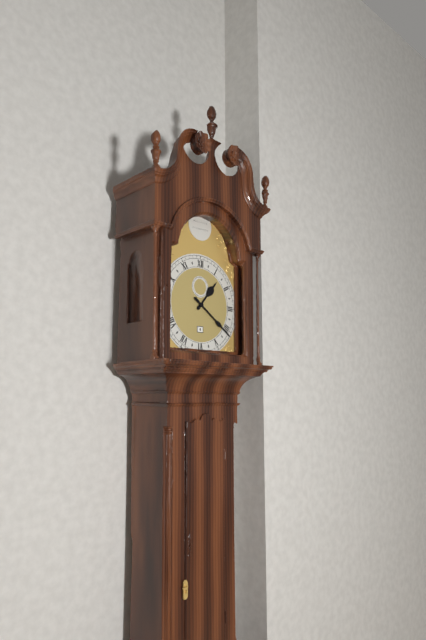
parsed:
1:21
